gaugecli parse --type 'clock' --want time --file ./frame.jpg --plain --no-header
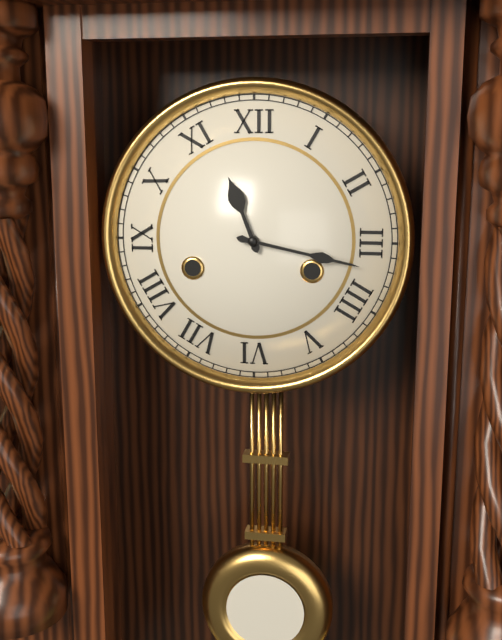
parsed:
11:17
